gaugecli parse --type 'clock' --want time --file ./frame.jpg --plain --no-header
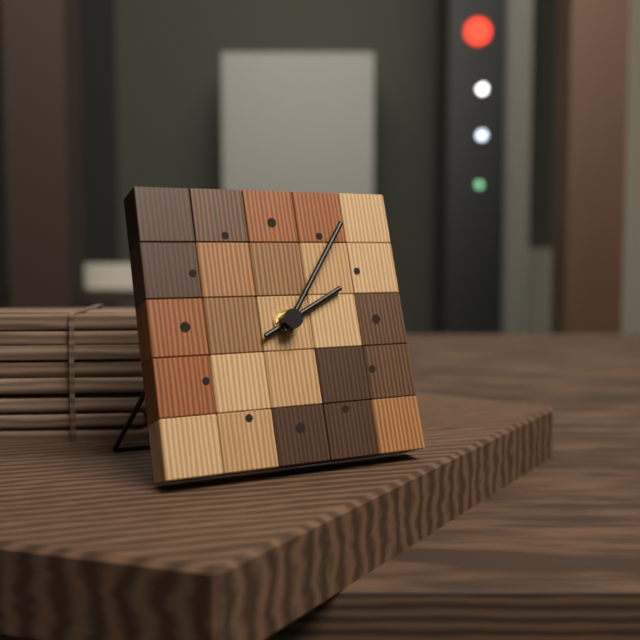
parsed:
2:06
